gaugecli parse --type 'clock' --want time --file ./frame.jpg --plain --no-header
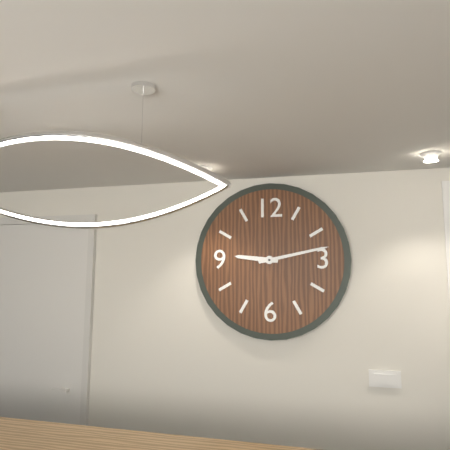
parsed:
9:13
